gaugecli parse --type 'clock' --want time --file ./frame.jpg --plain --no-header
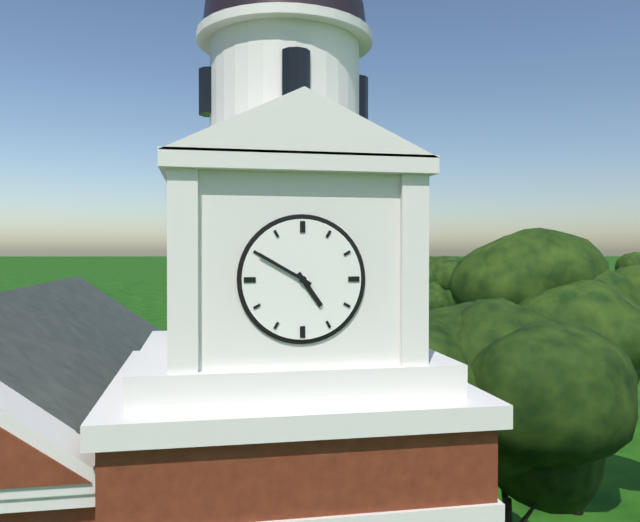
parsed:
4:50
